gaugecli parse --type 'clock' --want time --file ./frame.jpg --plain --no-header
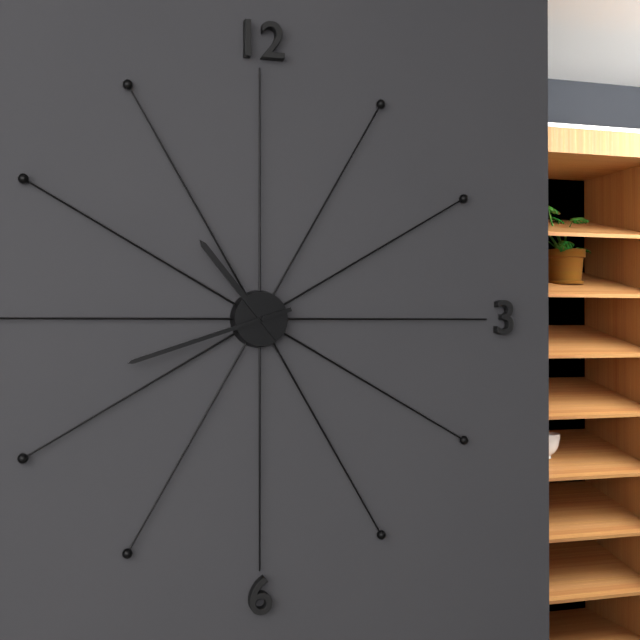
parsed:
10:42
